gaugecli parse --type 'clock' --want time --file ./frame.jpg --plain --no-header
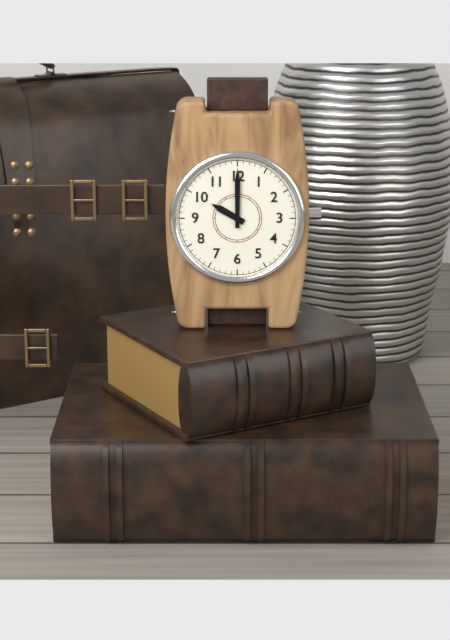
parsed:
10:00
